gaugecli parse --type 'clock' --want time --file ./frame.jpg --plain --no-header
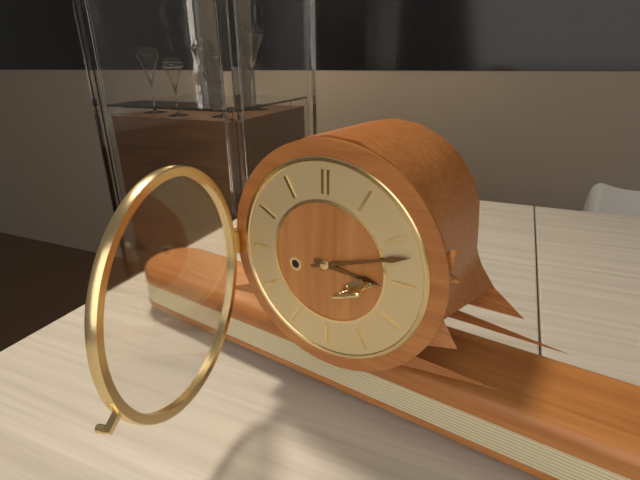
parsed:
3:12
